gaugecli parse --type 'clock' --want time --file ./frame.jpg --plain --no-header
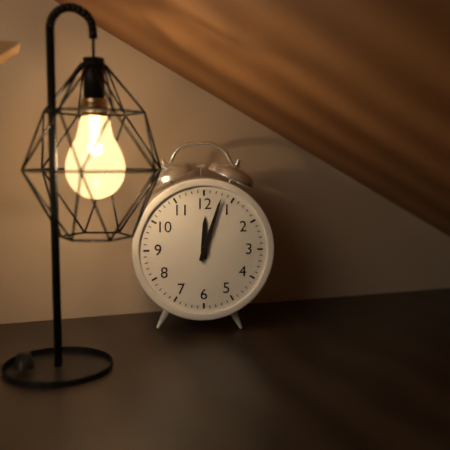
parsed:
12:03
